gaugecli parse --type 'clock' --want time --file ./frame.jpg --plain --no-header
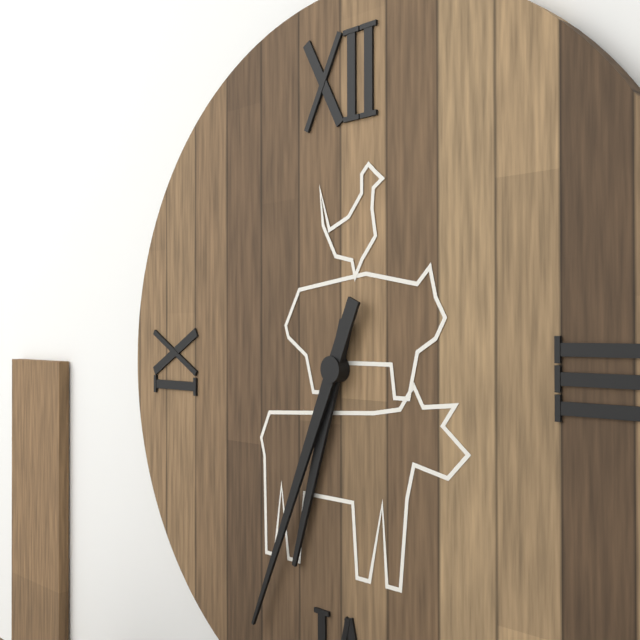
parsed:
6:34
